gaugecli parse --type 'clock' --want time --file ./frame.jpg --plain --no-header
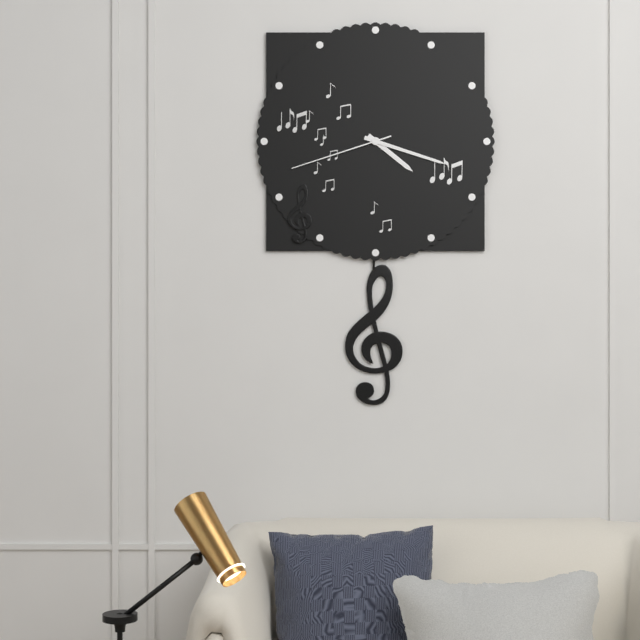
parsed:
4:18:42
